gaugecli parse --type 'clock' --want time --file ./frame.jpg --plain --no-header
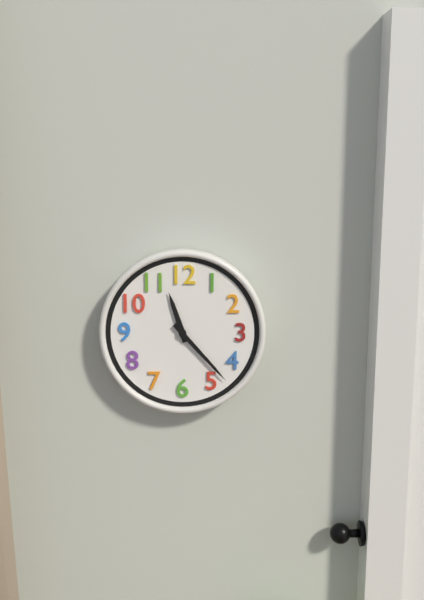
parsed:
11:23
